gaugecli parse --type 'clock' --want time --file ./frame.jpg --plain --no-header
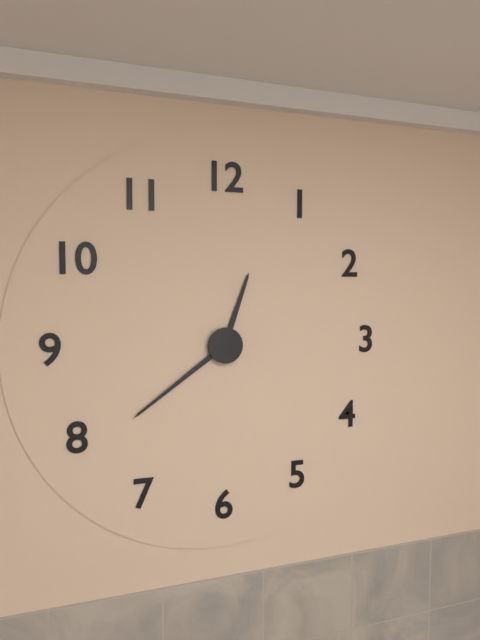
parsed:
12:39
